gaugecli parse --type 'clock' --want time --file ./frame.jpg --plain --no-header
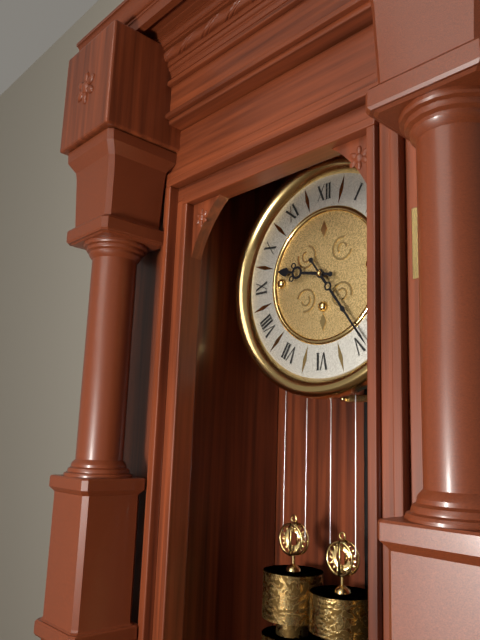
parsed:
9:24
